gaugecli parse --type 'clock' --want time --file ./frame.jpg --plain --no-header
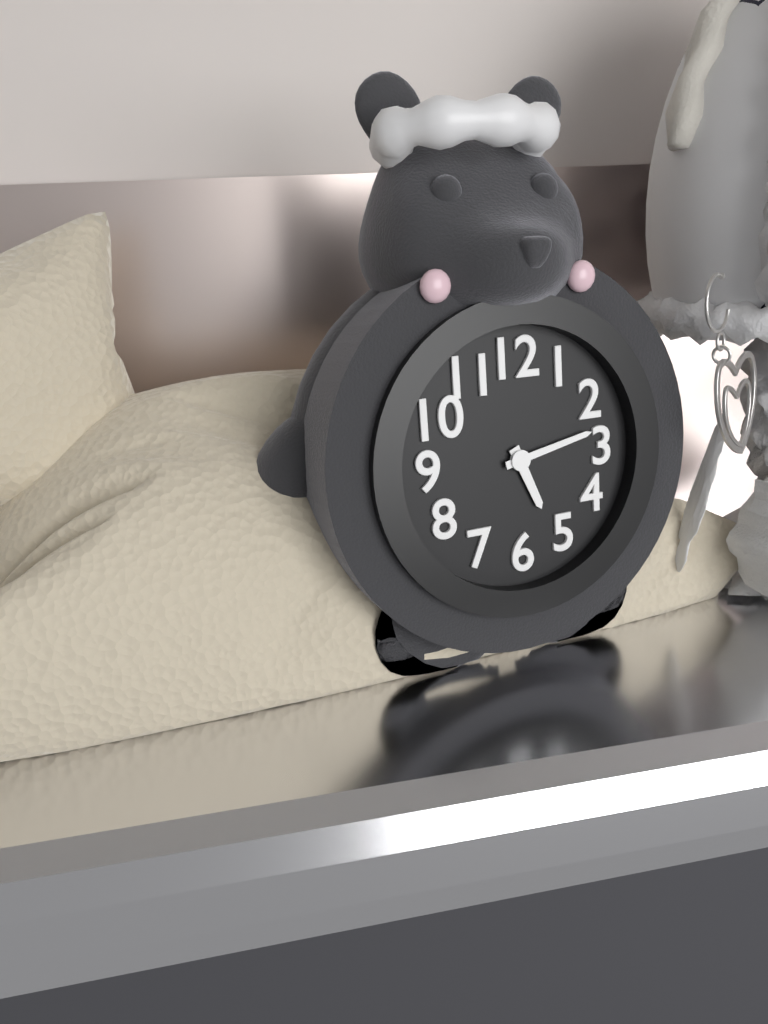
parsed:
5:13
